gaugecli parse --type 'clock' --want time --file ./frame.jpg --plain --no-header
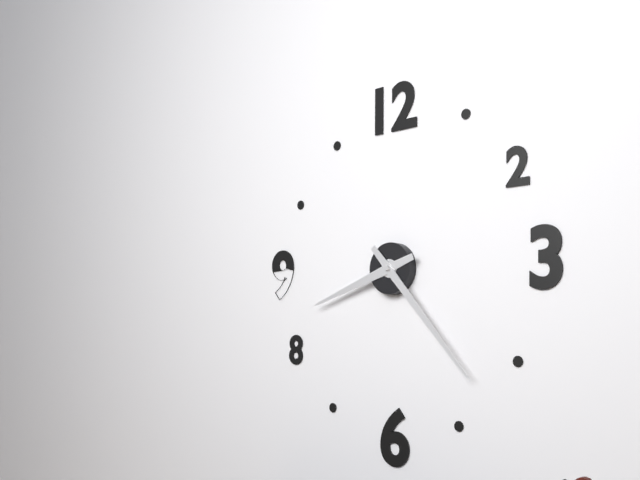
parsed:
8:23
